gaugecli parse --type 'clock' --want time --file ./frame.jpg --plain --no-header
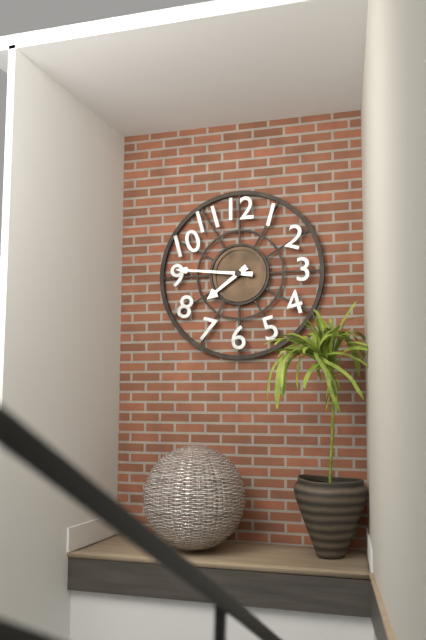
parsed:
7:46
